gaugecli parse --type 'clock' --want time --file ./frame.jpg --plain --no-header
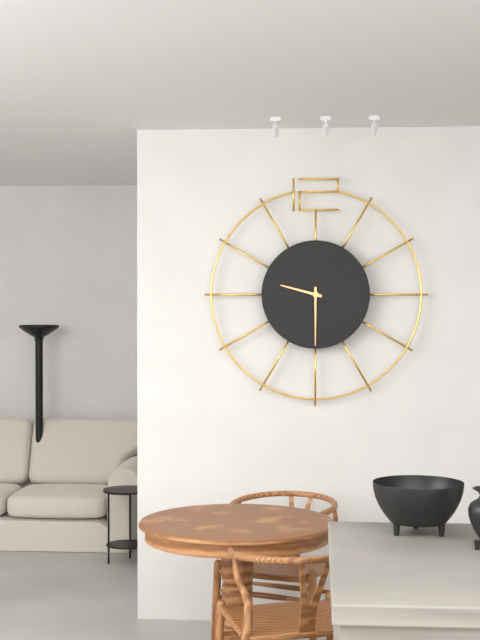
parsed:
9:30
